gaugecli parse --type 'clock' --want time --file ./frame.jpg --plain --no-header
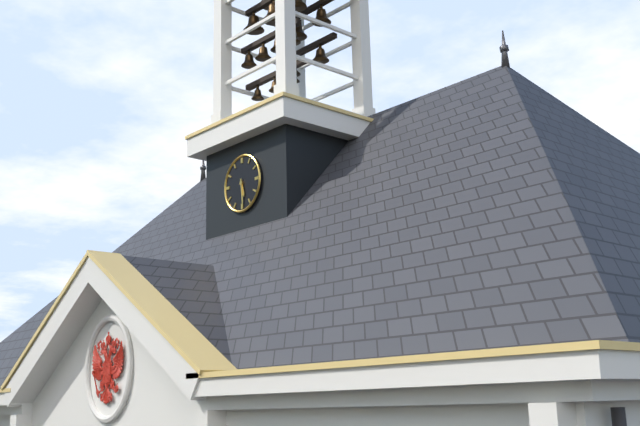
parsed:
5:29
